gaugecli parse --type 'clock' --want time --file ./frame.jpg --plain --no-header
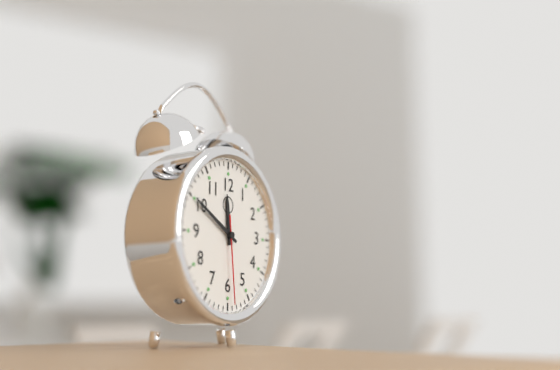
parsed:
11:50:29
